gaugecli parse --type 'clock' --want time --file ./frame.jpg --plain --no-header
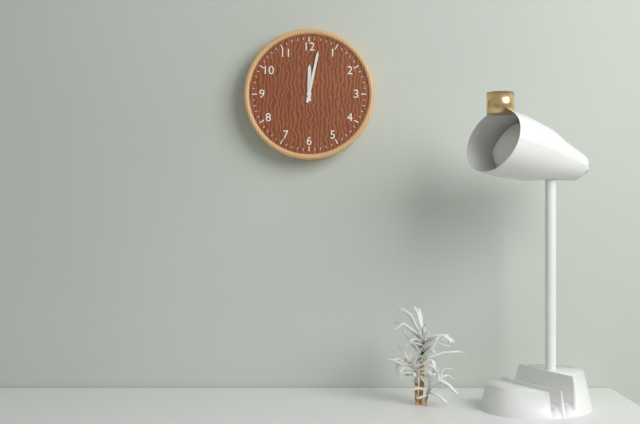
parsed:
12:02
